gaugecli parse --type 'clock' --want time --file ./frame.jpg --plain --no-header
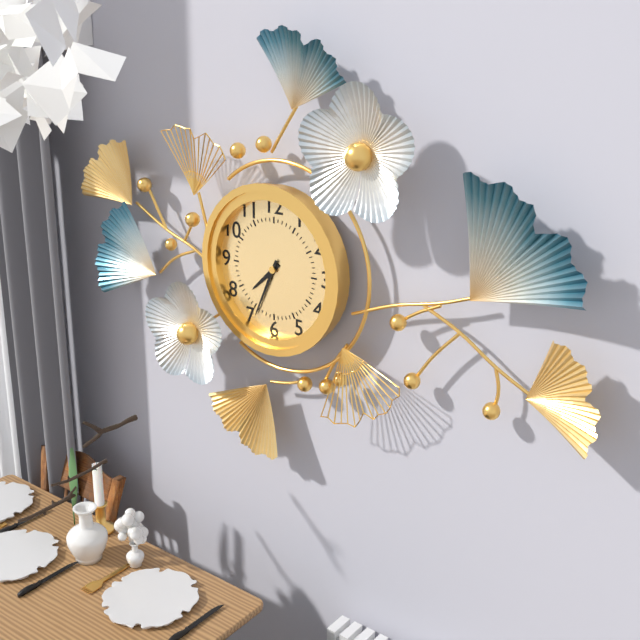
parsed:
7:34
